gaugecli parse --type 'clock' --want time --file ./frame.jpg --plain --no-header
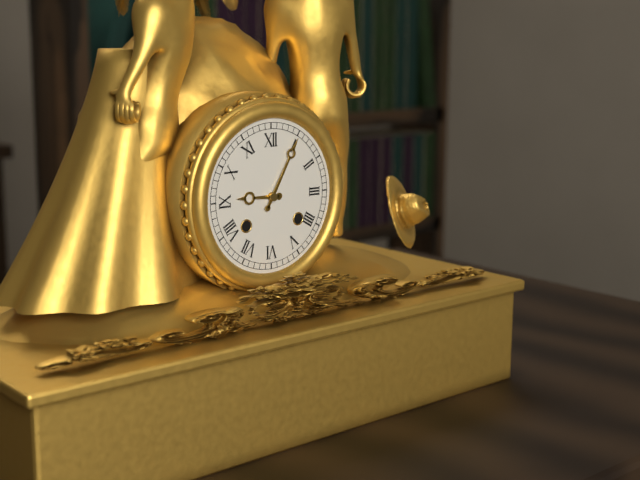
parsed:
9:05
